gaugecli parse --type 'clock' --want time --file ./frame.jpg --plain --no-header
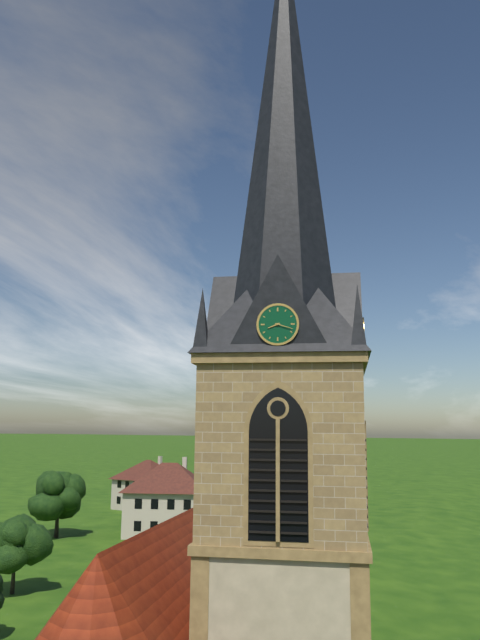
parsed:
8:18
